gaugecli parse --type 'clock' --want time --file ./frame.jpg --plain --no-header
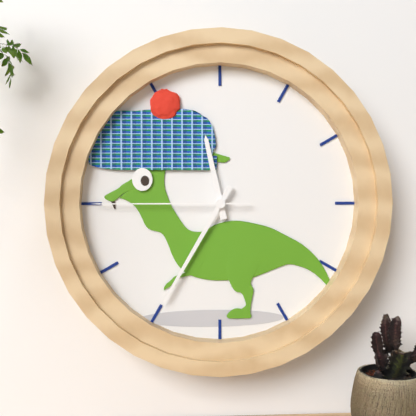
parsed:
11:35:45
